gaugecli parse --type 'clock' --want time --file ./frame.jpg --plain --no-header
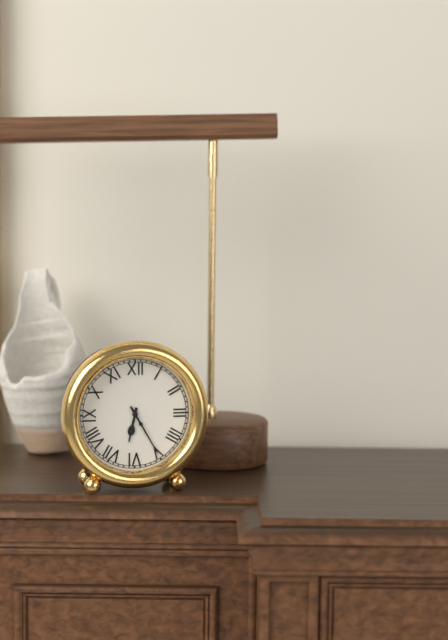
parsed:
6:25
